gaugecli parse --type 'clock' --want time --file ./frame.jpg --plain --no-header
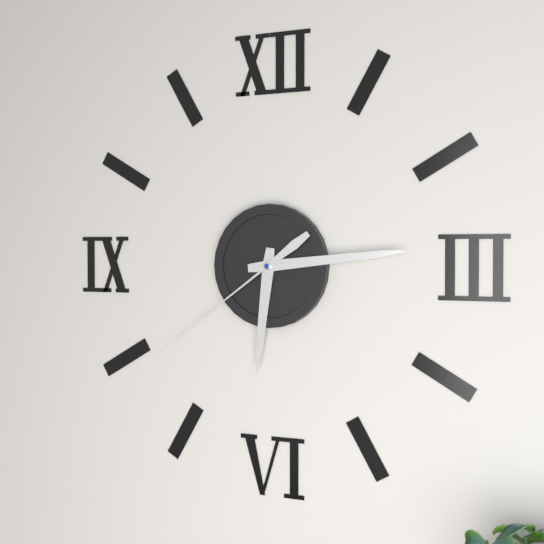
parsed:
6:14:39
